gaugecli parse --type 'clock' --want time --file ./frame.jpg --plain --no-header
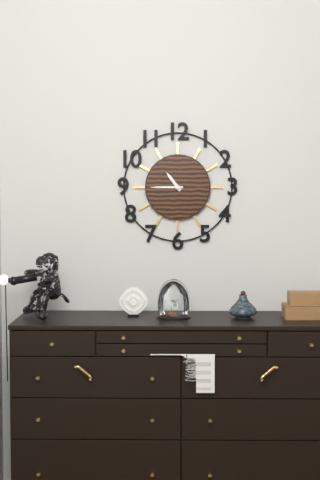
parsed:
10:45
